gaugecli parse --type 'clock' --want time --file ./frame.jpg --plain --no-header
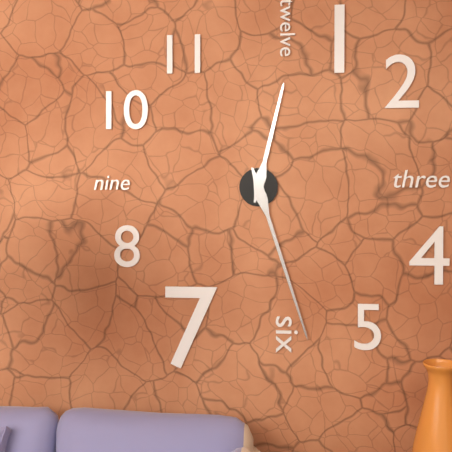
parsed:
12:27
